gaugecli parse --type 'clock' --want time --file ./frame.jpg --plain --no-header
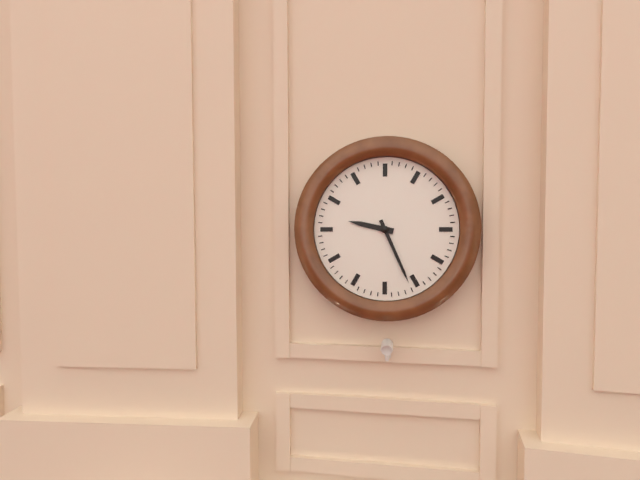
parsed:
9:26
